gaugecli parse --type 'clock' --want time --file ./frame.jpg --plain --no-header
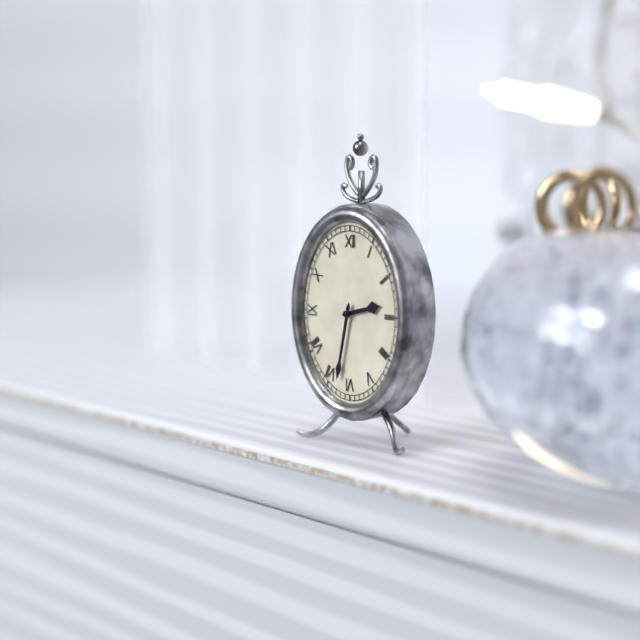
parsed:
2:32
